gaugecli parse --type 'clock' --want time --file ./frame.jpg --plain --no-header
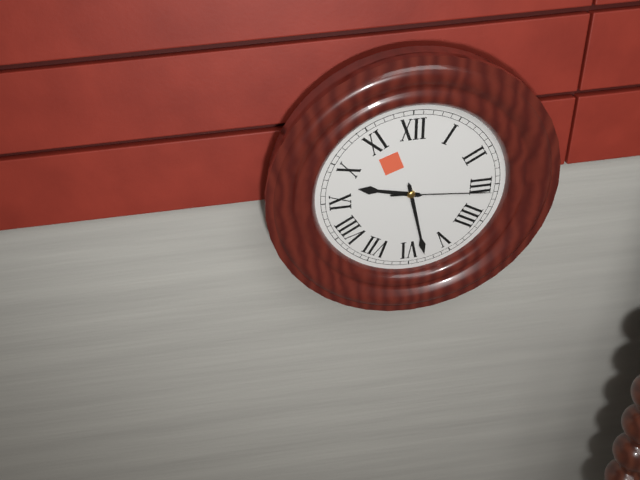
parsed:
9:28:16
